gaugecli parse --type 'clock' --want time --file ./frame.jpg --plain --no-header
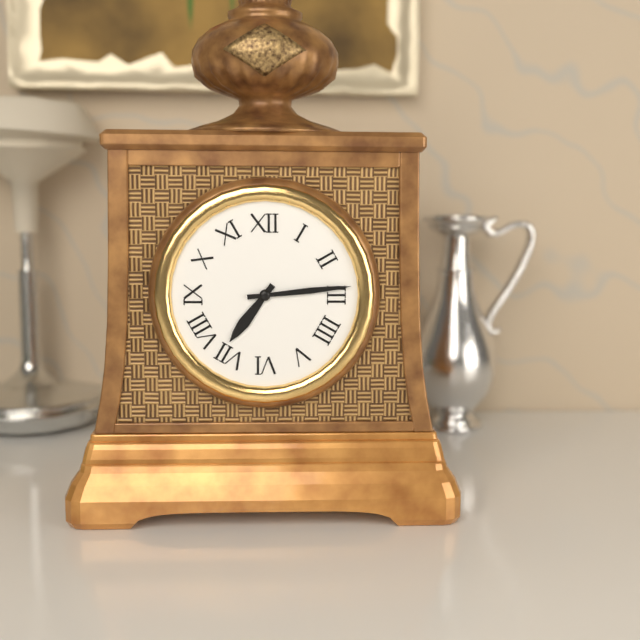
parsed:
7:14
